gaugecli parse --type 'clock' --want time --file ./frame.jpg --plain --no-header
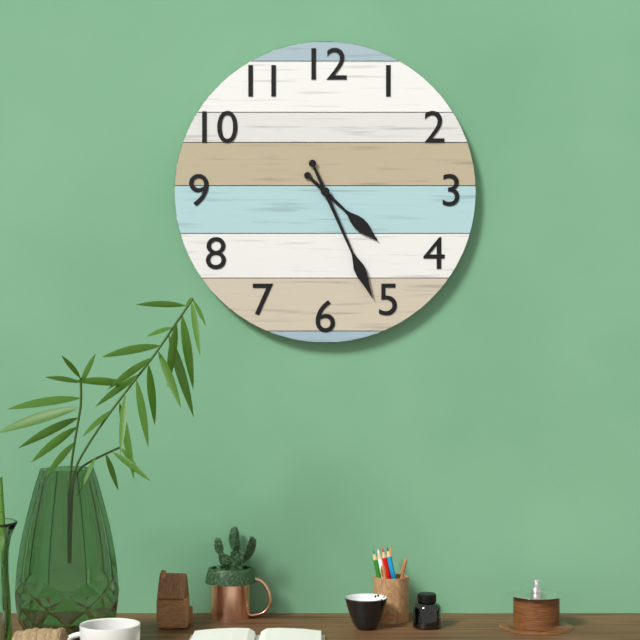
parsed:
4:26
